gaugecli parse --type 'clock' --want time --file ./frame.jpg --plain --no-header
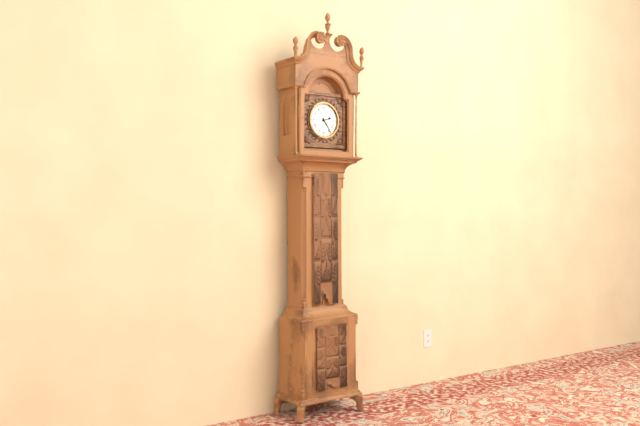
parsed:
2:24
